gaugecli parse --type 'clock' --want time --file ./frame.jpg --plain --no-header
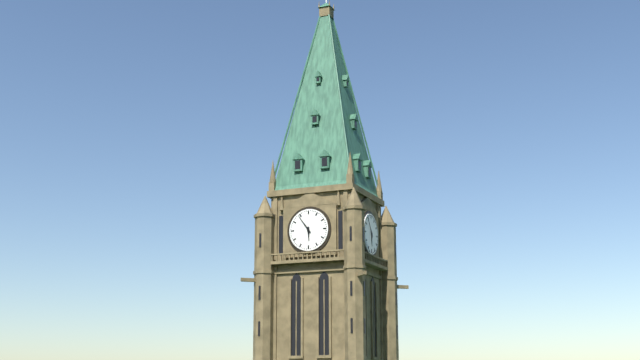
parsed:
5:54
